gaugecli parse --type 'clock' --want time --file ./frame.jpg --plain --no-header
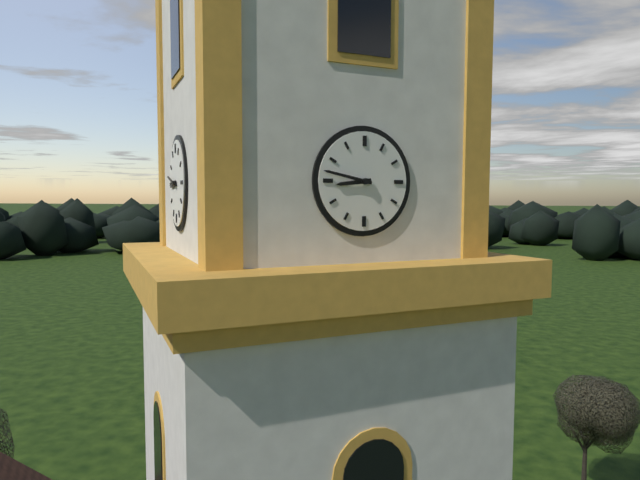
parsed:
8:47
